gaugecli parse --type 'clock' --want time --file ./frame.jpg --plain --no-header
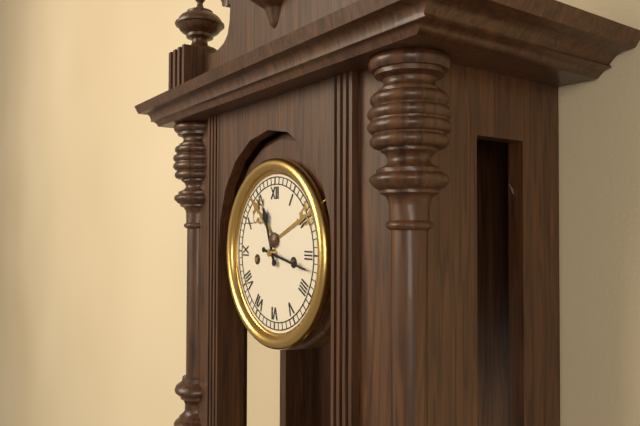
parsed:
11:17
